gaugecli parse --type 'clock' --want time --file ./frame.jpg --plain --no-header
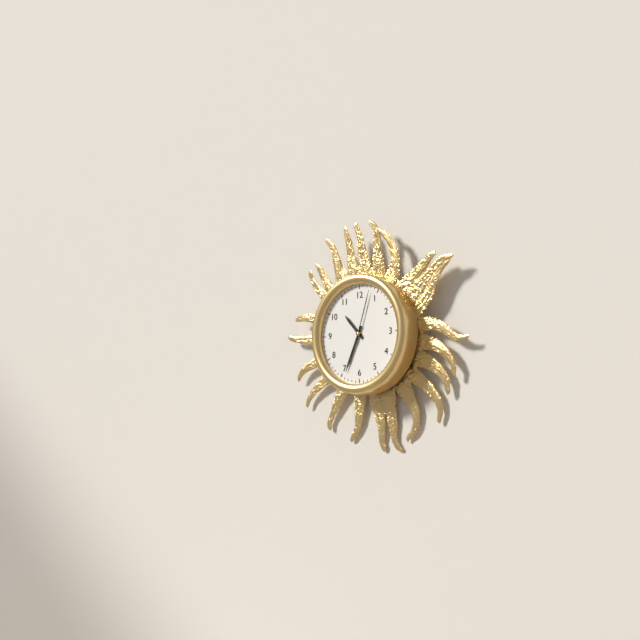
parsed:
10:34:03
